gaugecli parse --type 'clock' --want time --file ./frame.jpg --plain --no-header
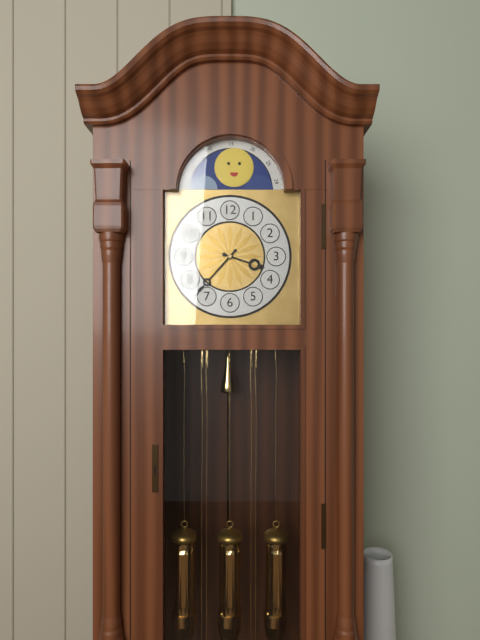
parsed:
3:37
